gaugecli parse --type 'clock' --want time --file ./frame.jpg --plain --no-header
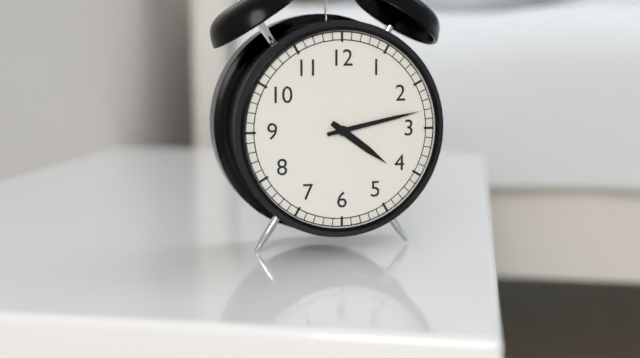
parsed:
4:13
